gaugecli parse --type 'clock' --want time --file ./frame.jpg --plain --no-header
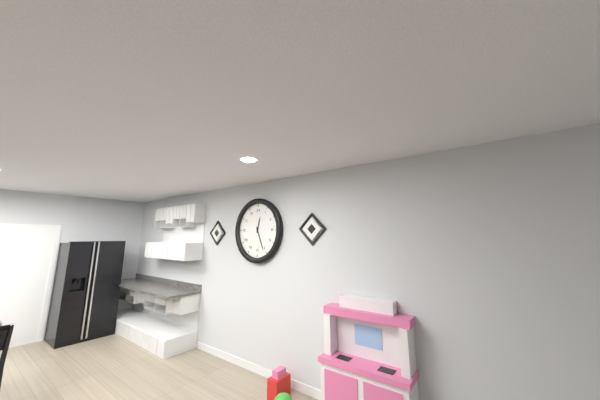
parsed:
12:26
